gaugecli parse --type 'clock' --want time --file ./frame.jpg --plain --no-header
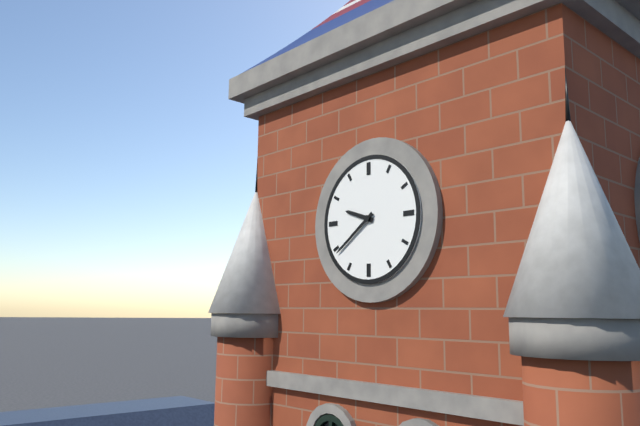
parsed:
9:39
